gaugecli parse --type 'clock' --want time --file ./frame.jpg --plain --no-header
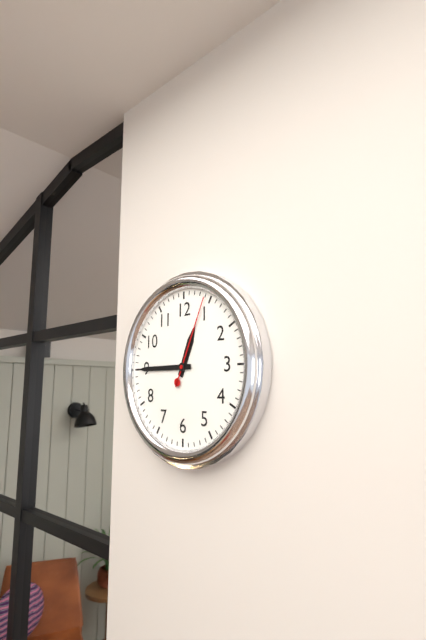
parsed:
12:45:04
